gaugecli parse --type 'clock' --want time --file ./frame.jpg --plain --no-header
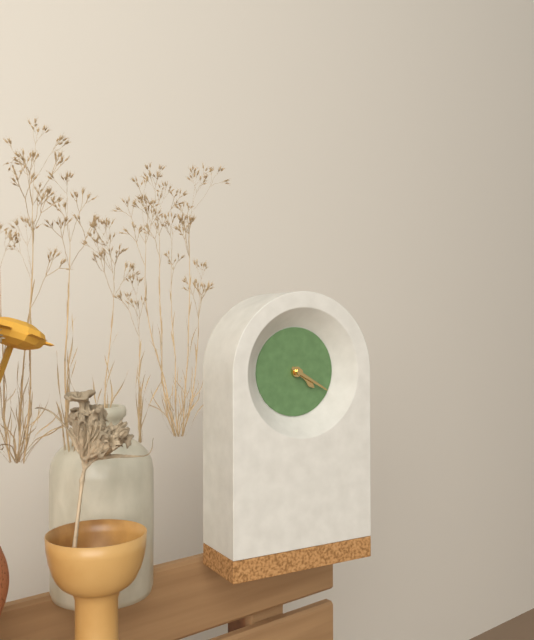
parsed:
4:20
